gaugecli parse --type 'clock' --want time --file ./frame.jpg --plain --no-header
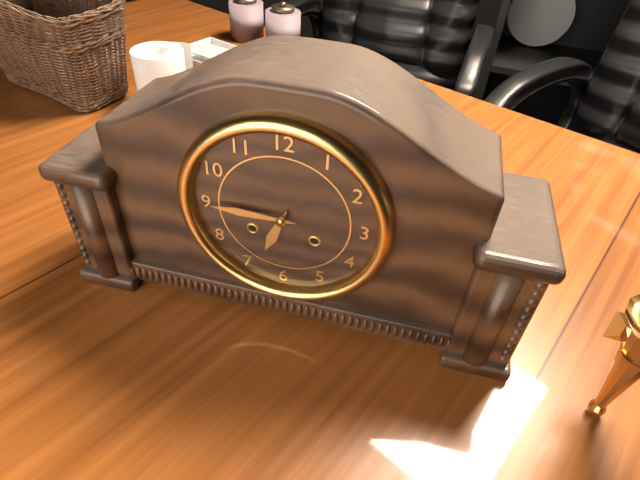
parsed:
6:45
